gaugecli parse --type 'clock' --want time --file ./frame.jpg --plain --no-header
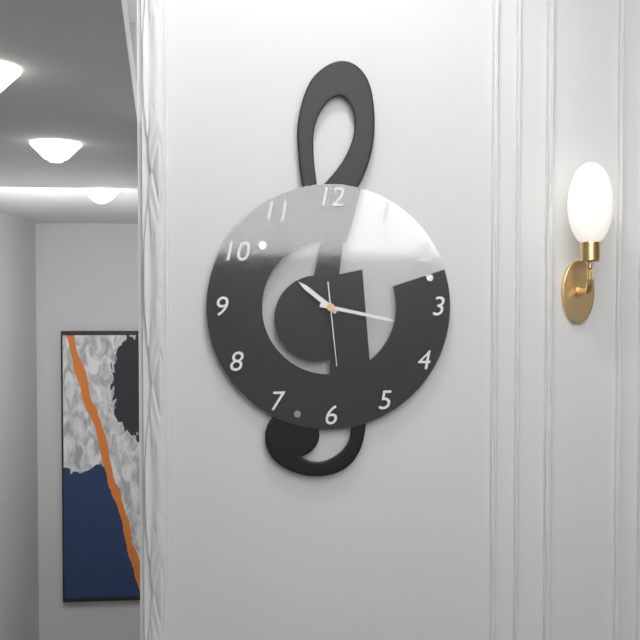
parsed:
10:17:29
